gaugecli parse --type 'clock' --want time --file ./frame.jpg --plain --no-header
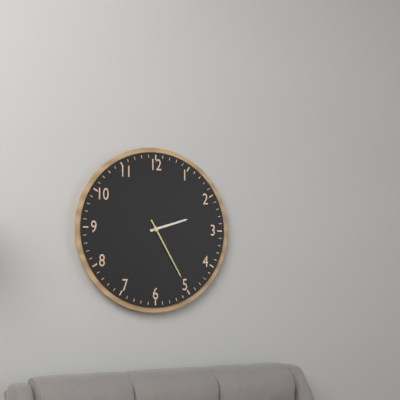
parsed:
2:25
